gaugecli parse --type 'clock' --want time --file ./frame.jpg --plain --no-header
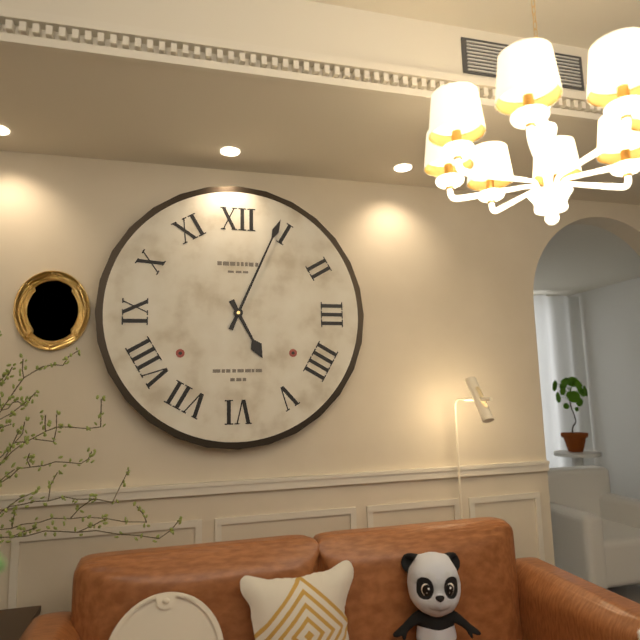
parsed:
5:04
